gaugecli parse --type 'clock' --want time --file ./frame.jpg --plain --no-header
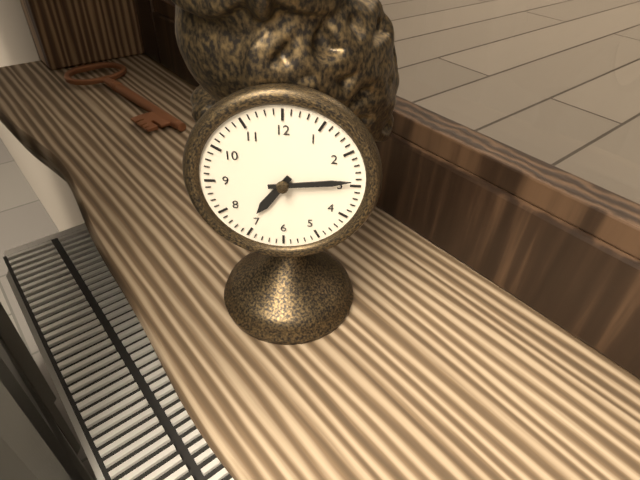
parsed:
7:14
